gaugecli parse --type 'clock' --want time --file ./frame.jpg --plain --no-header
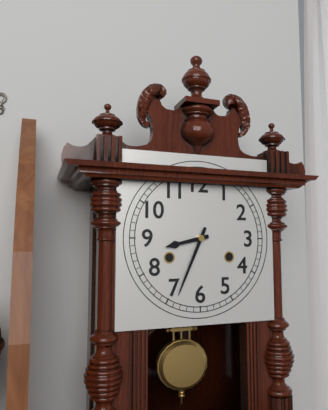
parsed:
8:34
